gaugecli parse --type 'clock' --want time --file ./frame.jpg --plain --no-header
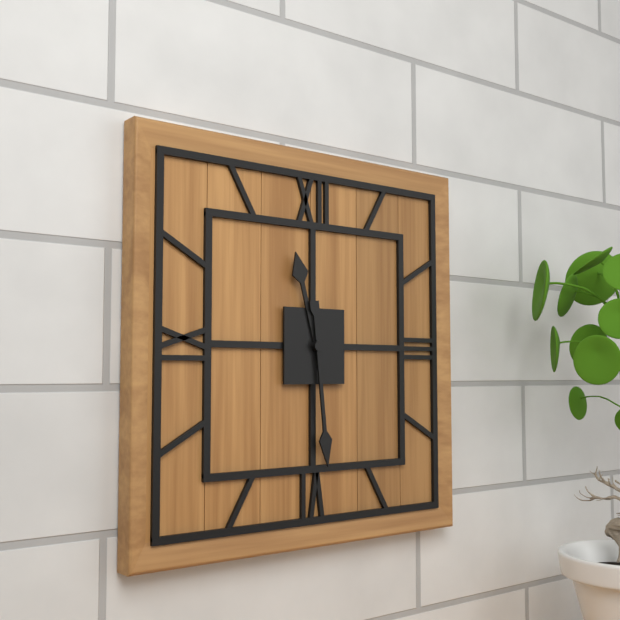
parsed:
11:29
